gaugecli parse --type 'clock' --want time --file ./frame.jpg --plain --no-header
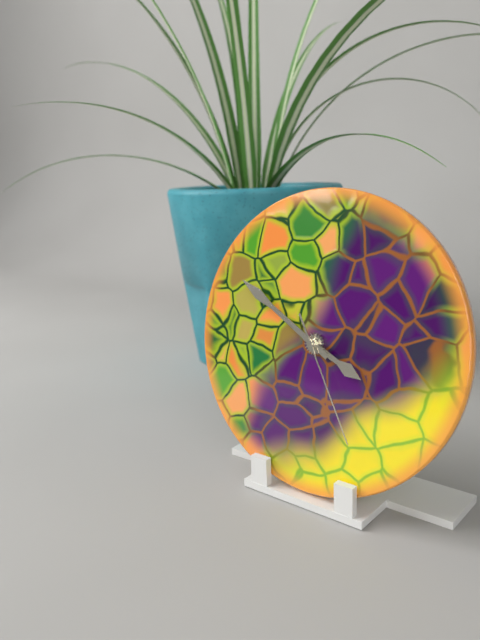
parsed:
3:50:25
